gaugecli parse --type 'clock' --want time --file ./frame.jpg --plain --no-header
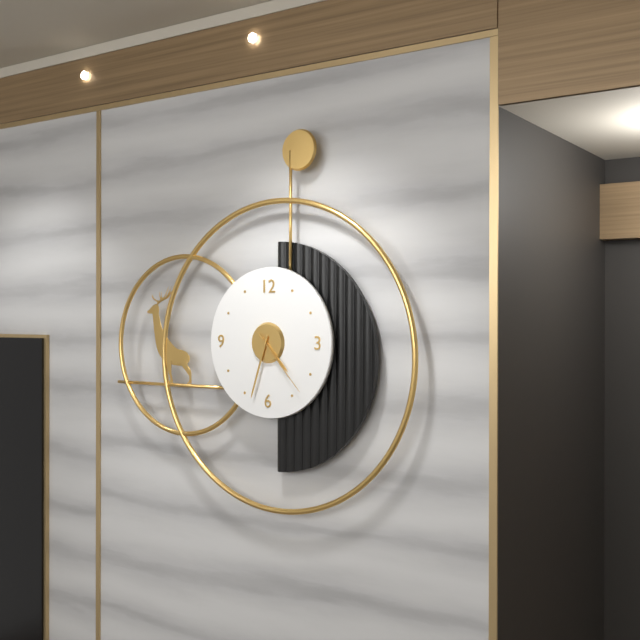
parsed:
4:33:23
